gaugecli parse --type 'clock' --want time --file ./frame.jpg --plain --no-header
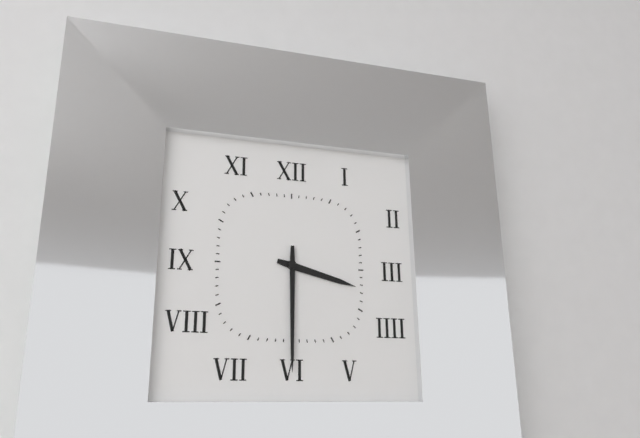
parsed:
3:30
